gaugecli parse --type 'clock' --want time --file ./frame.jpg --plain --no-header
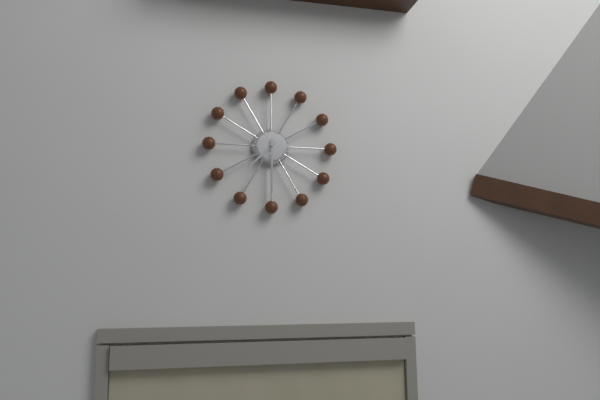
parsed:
7:30
